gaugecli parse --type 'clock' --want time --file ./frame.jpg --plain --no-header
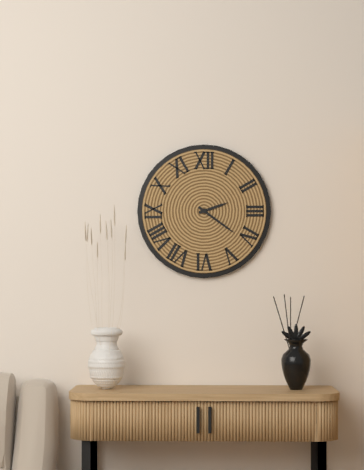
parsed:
2:21
